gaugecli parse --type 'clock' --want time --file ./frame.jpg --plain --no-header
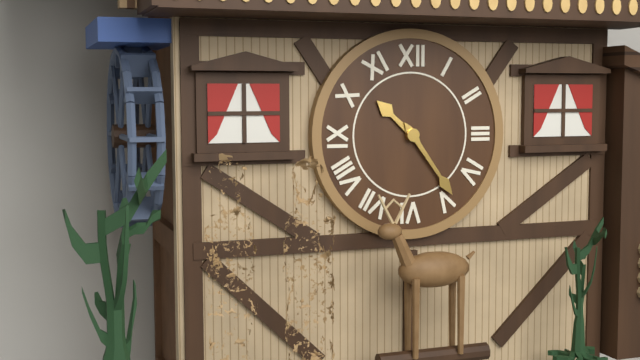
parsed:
10:24
